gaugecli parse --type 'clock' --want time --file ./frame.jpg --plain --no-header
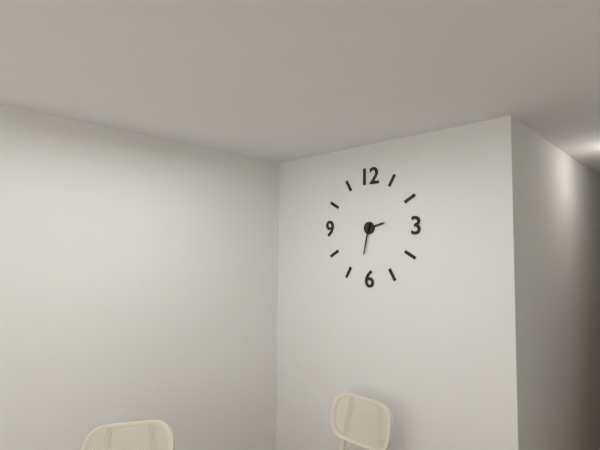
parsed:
2:32
